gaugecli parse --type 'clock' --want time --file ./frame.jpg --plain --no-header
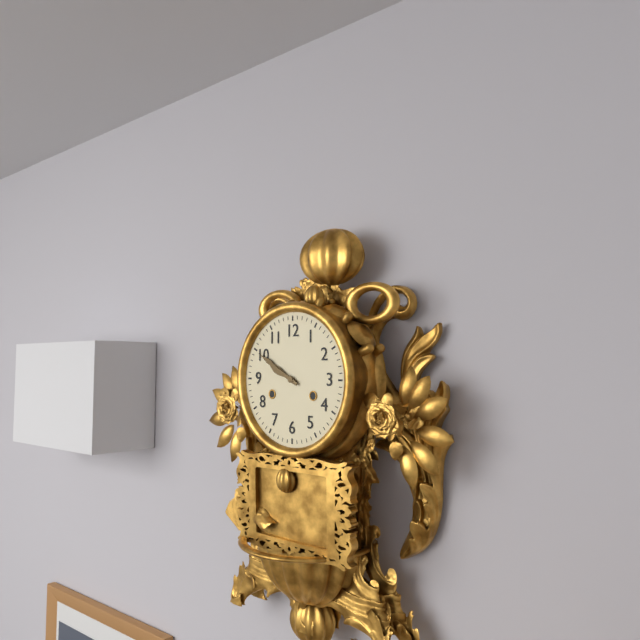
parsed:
9:50
